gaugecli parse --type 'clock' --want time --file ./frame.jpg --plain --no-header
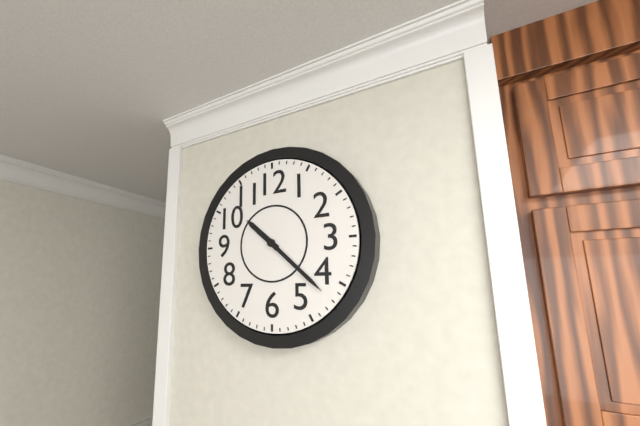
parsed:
10:22
